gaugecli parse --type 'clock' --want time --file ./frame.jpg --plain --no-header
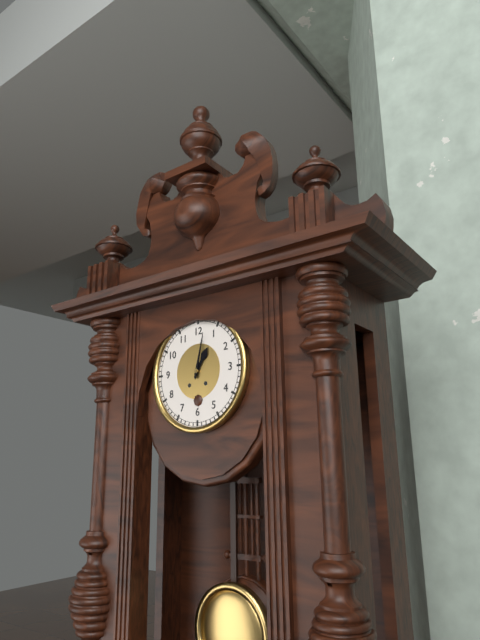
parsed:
1:02
